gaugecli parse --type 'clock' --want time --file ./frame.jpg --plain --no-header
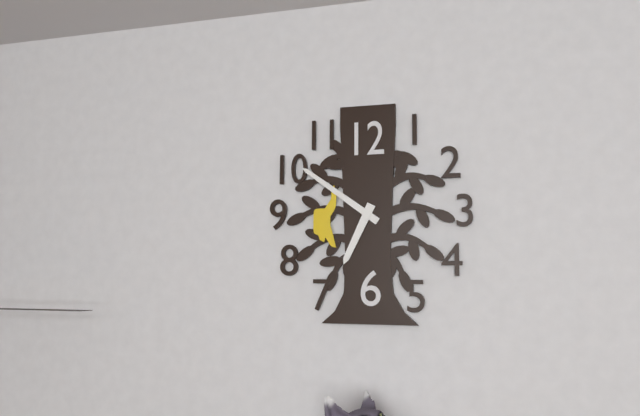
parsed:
6:51
